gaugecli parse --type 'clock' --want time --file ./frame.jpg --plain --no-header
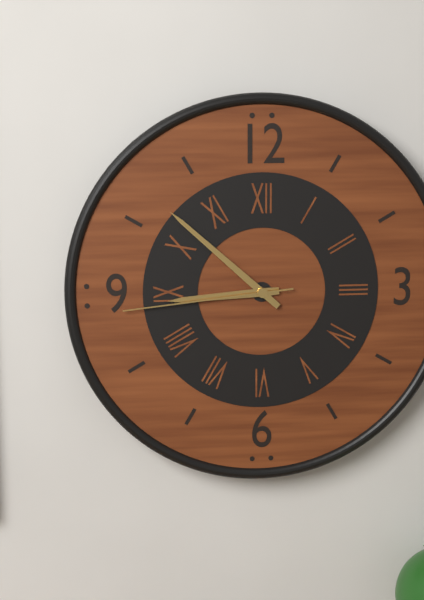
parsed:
8:52:44
